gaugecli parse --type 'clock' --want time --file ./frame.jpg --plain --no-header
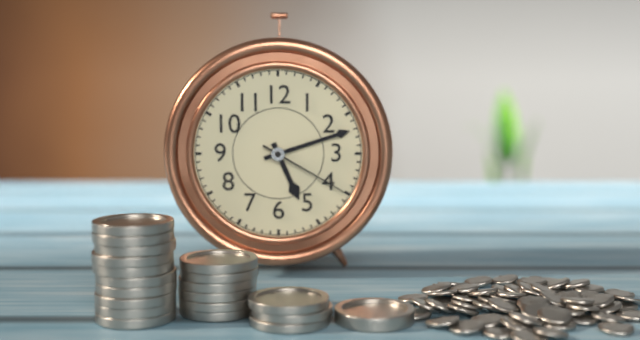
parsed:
5:12:20
